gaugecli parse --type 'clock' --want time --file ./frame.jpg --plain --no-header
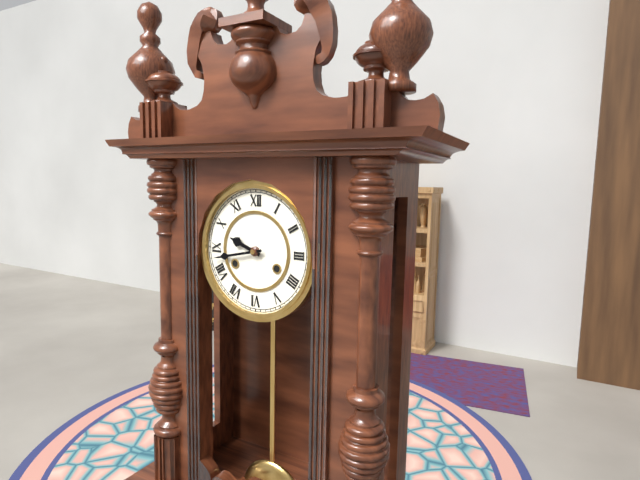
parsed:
9:43
